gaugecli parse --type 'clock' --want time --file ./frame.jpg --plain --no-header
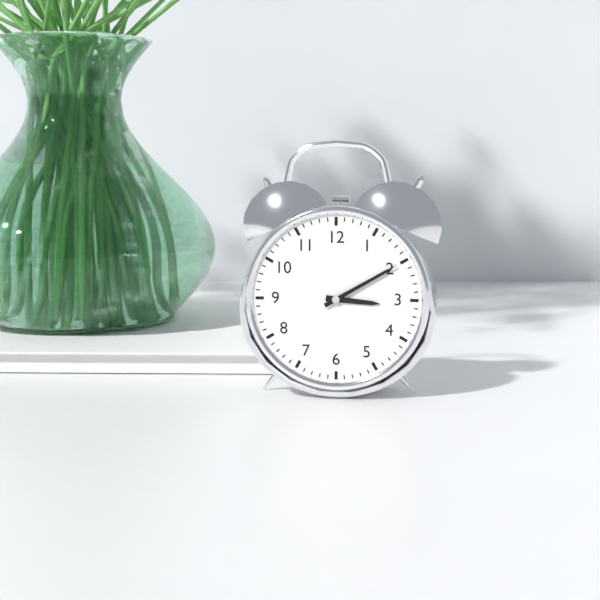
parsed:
3:10
